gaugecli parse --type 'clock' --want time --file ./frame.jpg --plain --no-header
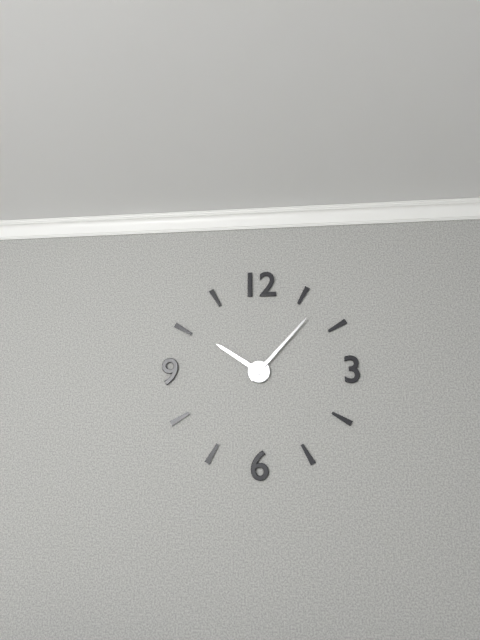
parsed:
10:07
